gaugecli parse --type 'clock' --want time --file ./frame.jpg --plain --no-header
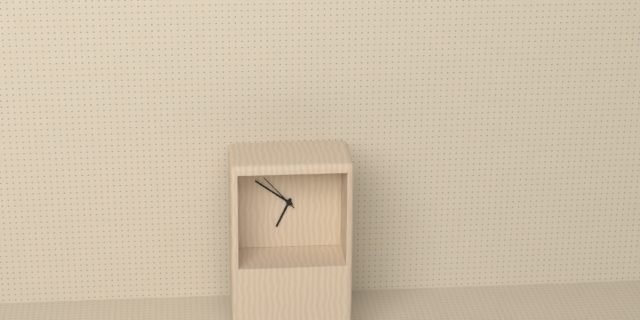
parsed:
6:51
